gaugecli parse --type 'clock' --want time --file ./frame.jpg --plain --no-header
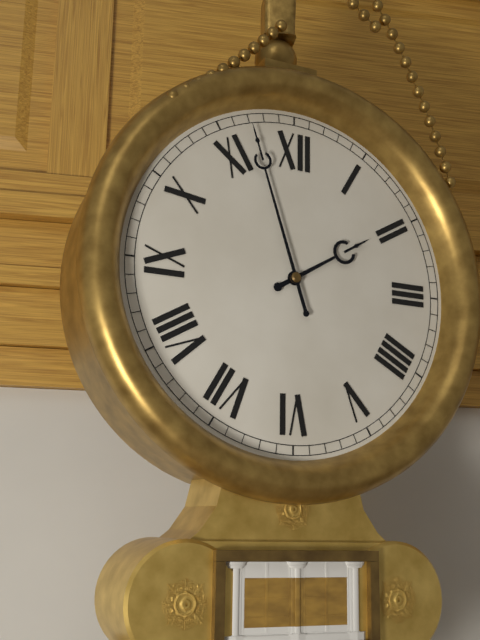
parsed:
1:57
